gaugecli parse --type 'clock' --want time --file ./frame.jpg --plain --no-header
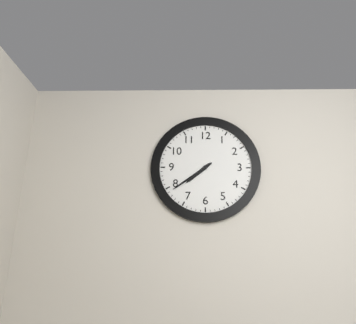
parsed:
7:39
